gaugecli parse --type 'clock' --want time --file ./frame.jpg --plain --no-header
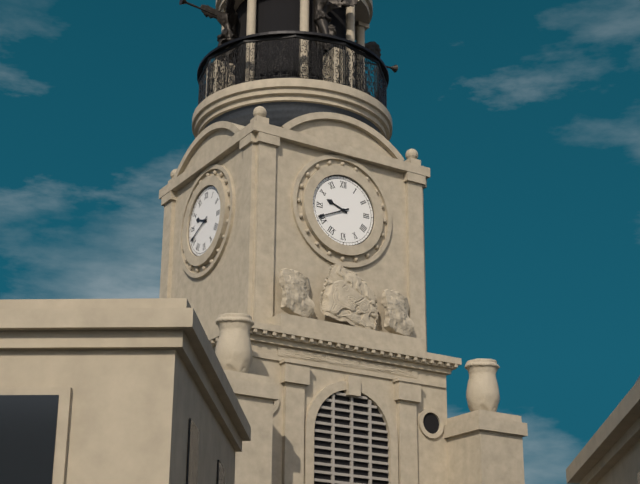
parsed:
9:41
